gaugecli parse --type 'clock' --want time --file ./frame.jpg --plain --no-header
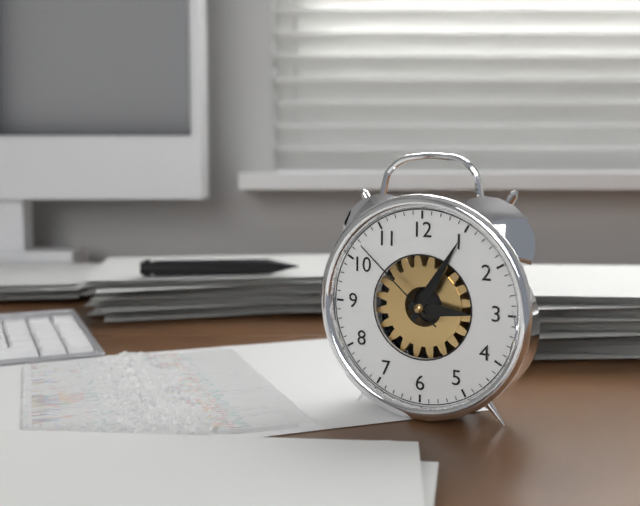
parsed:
3:05:52
